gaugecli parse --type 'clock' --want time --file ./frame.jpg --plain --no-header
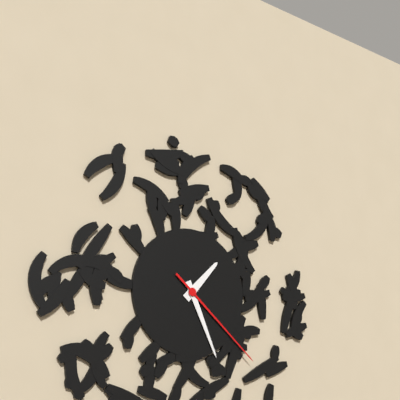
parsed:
1:26:22
